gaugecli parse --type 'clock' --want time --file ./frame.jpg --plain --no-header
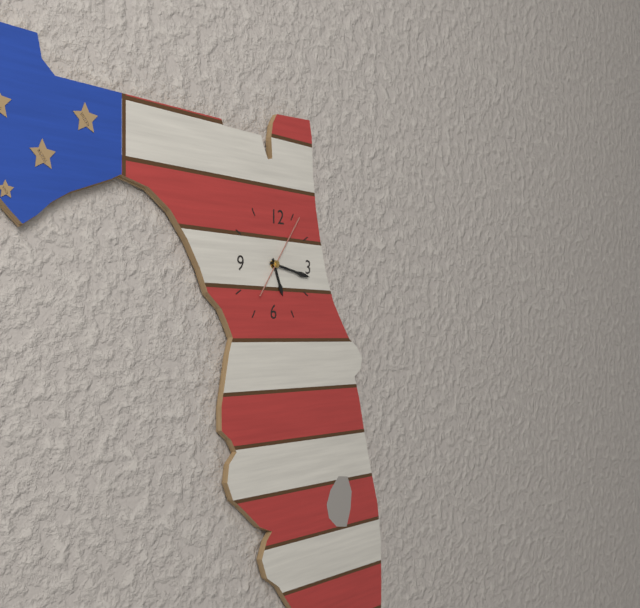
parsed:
5:17:06
